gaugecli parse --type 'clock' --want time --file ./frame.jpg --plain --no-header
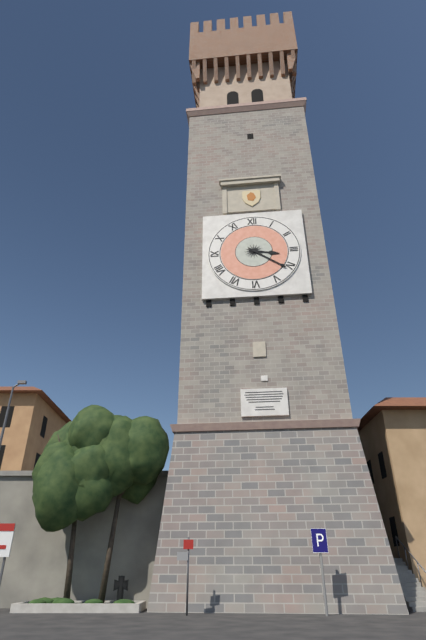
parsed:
3:21
